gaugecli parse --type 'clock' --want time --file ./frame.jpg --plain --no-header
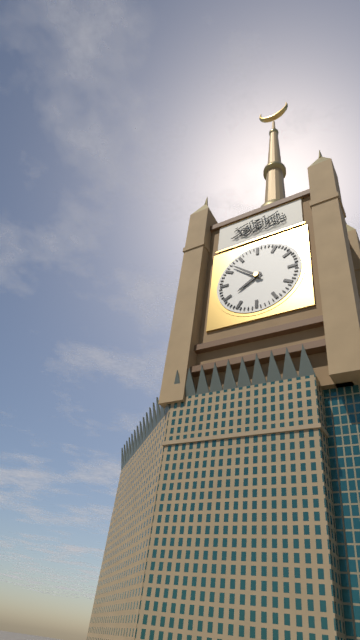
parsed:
7:52
